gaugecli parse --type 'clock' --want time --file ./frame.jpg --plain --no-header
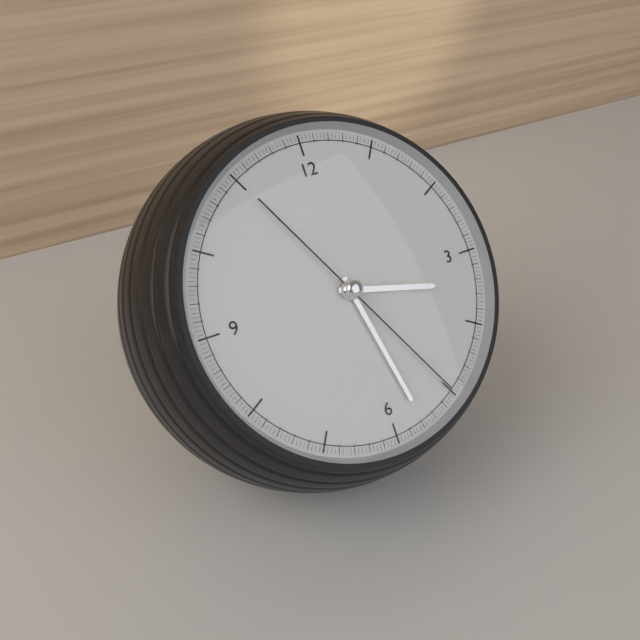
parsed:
3:28:25
